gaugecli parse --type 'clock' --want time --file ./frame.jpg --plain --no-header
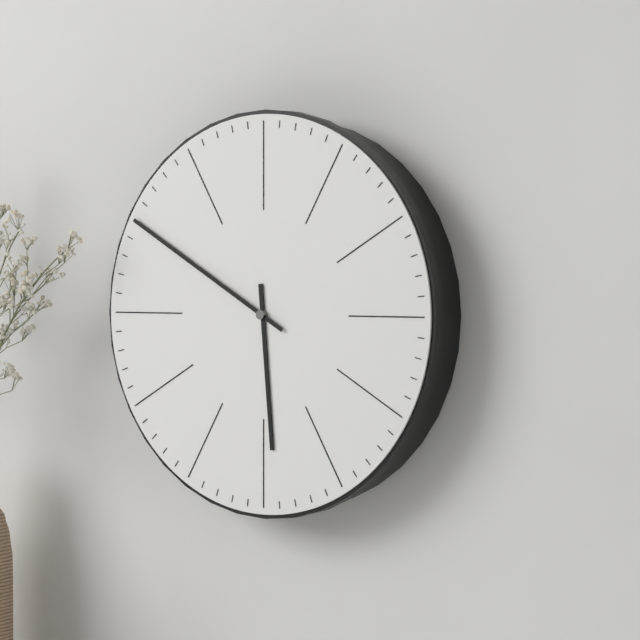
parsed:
5:50
